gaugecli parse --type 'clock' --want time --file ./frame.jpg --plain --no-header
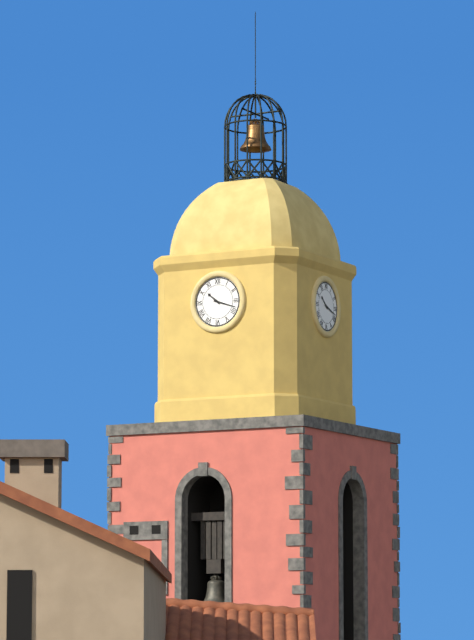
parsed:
10:18
